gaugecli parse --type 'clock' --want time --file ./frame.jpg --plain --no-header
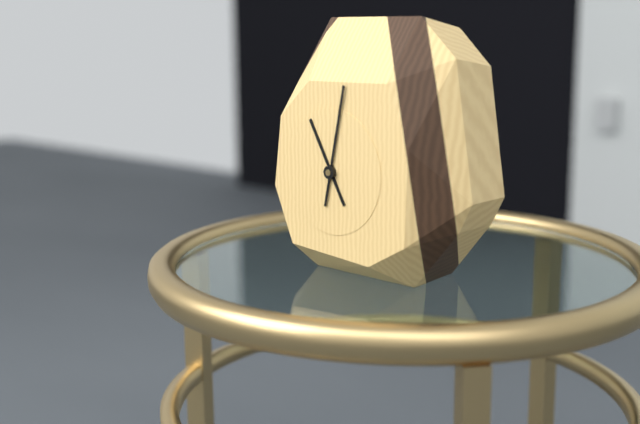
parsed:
11:02
